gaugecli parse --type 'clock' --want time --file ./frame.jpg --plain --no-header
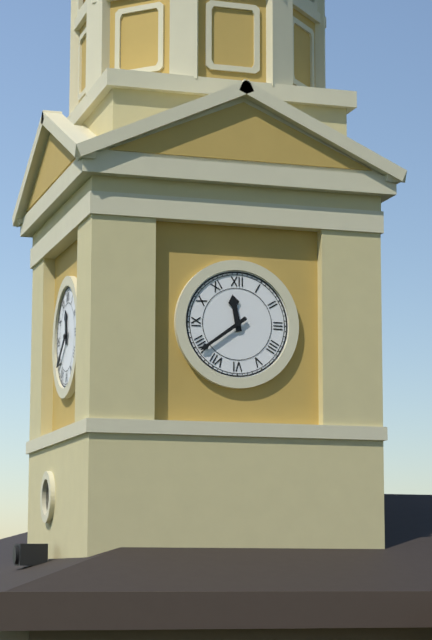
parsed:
11:39
